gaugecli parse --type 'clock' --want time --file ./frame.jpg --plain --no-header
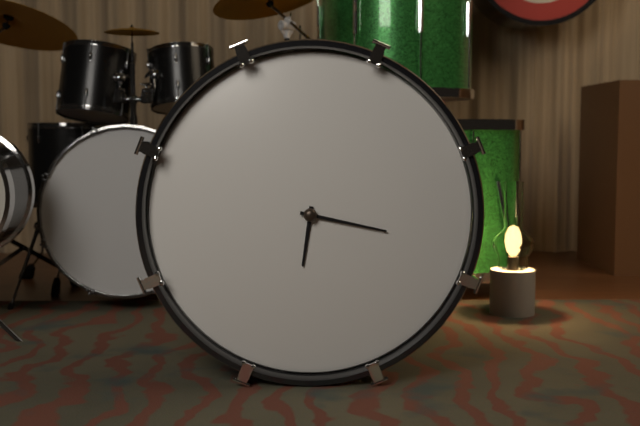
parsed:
6:17
